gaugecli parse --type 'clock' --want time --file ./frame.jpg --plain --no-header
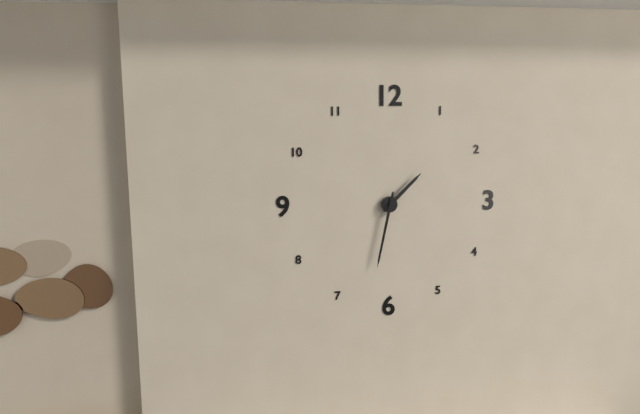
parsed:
1:32
